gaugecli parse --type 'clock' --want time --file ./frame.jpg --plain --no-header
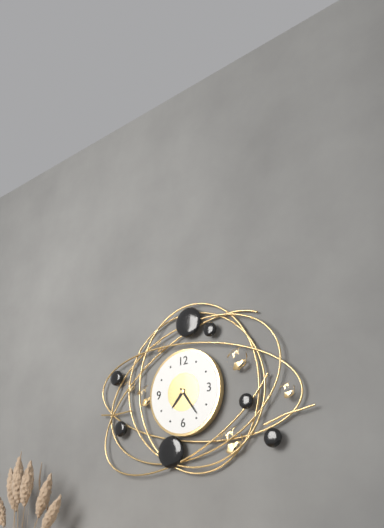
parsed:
7:24
